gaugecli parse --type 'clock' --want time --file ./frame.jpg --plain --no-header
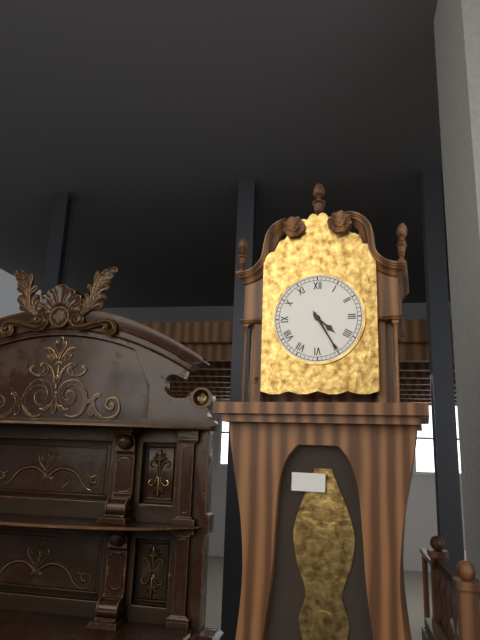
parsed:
4:25
